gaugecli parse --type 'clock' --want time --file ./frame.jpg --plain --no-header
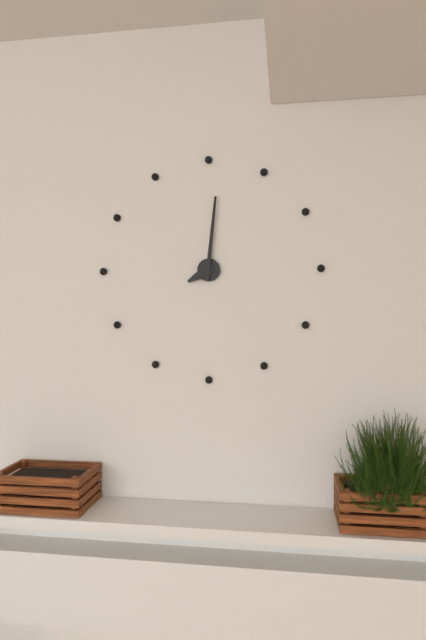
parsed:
8:01
